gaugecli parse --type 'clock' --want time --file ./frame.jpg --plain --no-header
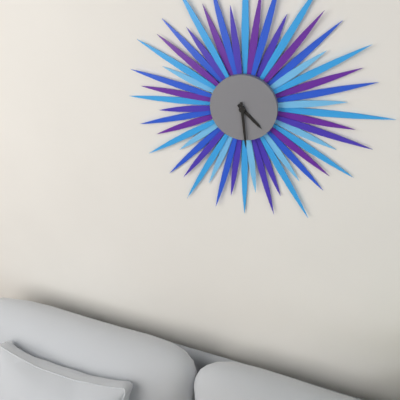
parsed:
4:29
